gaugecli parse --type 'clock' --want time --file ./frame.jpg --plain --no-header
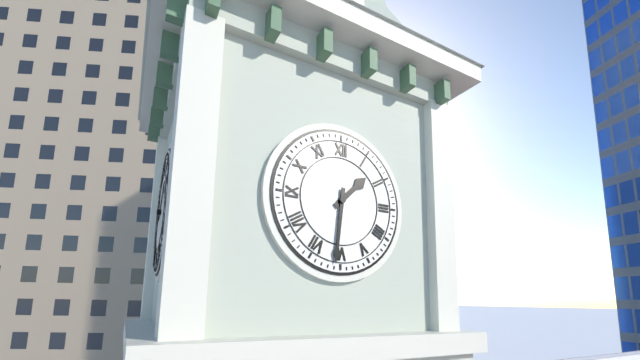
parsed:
1:31
